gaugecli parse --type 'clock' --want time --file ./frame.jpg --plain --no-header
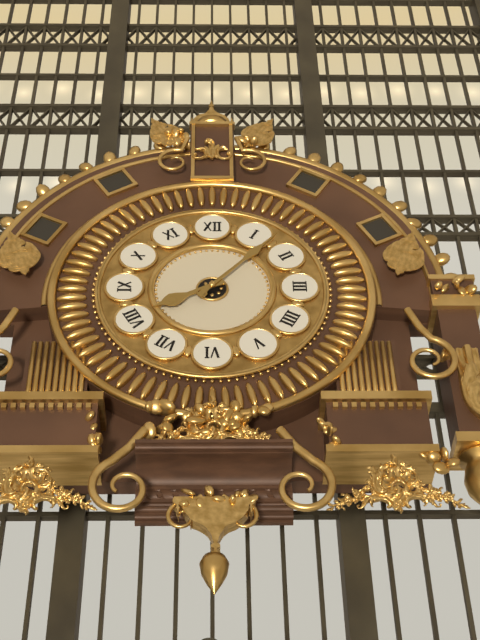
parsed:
8:07
